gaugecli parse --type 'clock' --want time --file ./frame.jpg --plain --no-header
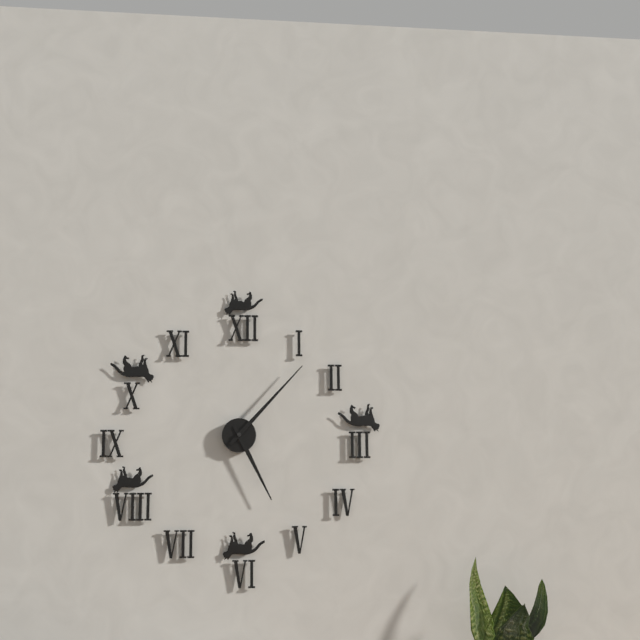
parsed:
5:07
